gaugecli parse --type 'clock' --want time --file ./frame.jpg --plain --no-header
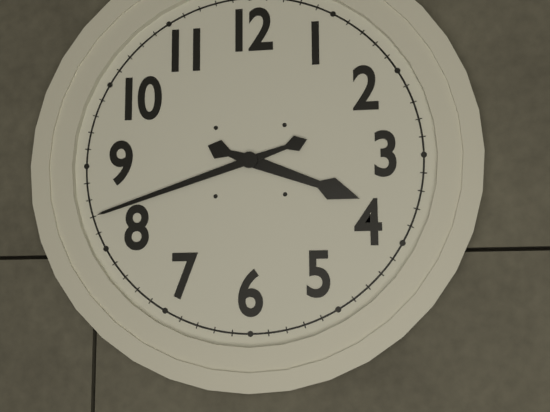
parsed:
3:42
